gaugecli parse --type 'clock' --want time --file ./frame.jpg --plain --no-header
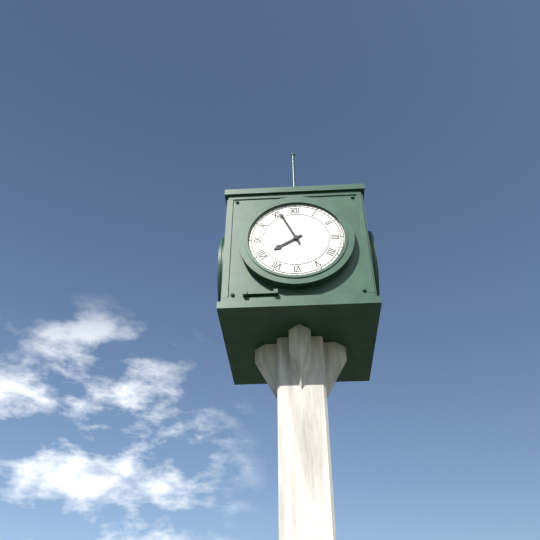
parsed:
7:56
